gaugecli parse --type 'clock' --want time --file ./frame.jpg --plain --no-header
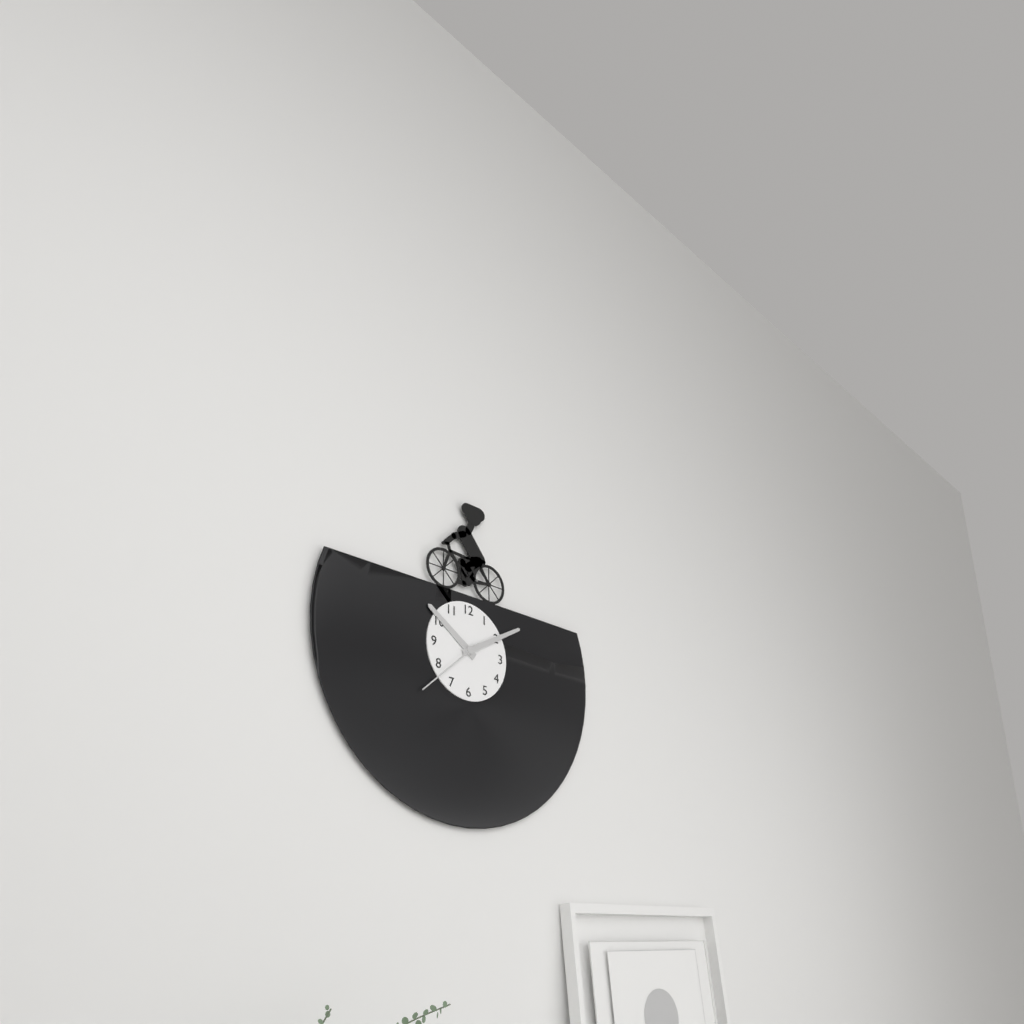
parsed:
10:10:38
